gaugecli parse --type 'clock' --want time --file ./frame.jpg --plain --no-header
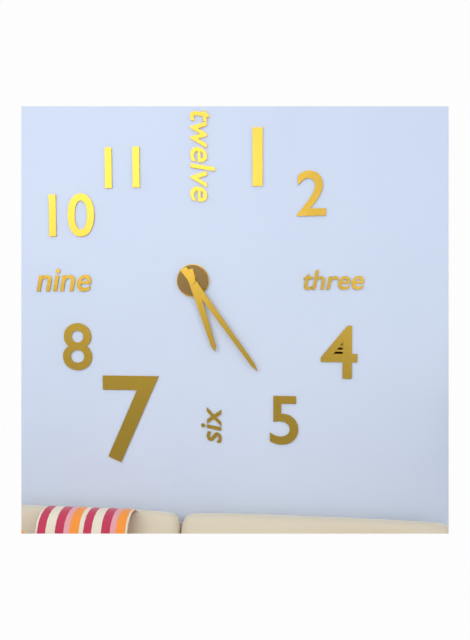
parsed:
5:24
